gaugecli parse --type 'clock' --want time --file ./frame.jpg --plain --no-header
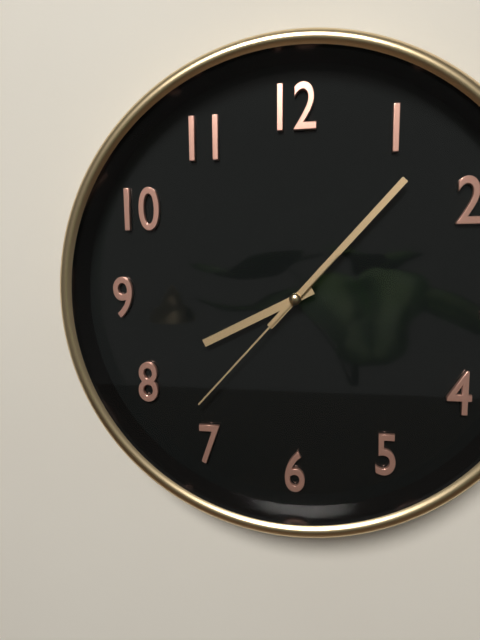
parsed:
8:07:37
